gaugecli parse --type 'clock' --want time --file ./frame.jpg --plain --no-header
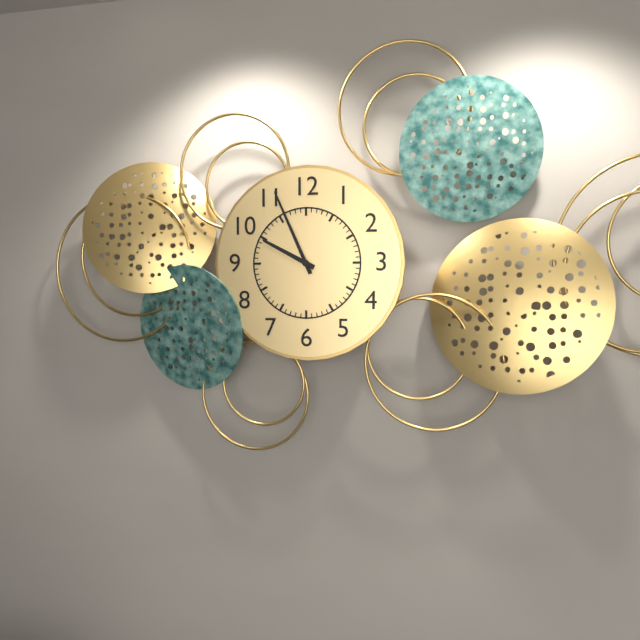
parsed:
9:56
